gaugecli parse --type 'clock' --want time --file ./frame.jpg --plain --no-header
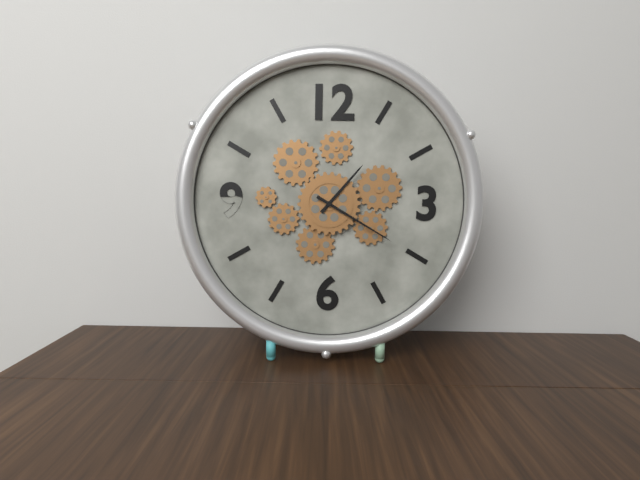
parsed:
1:20
